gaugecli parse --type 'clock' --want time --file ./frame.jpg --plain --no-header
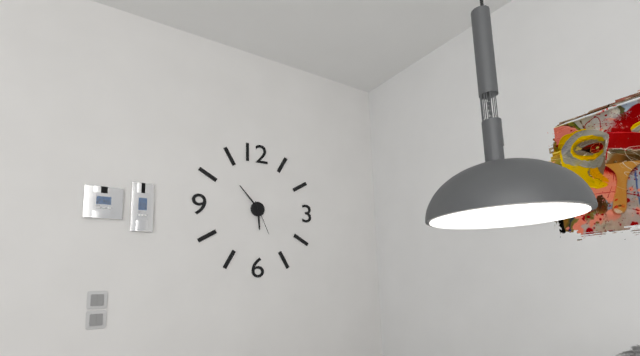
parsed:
5:53
